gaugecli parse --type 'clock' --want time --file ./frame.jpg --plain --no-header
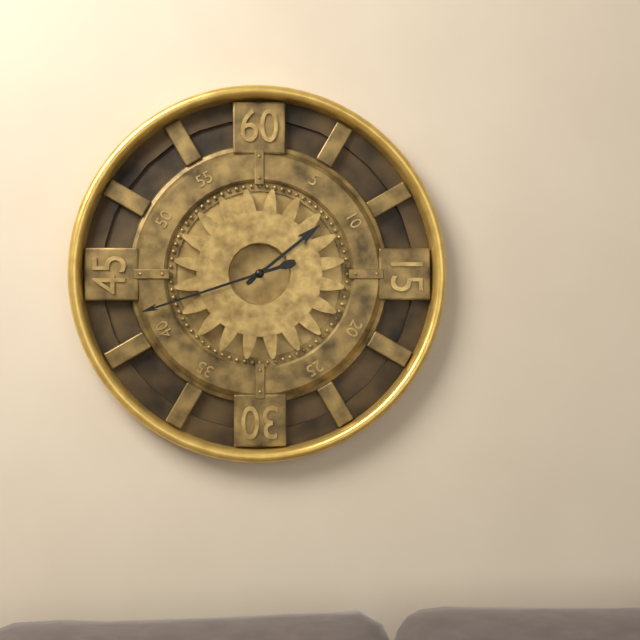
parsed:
1:42
